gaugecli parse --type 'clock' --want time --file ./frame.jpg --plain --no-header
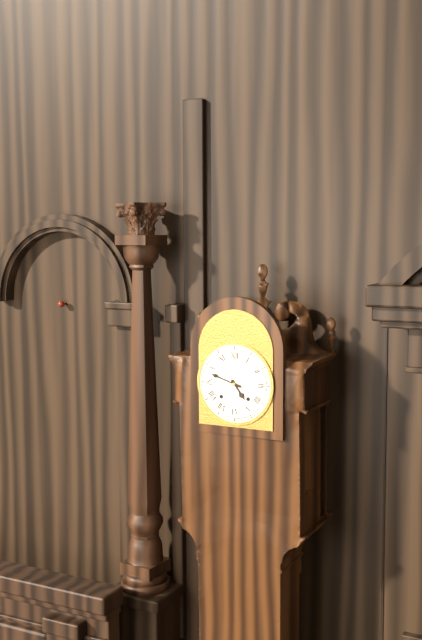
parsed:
4:48
